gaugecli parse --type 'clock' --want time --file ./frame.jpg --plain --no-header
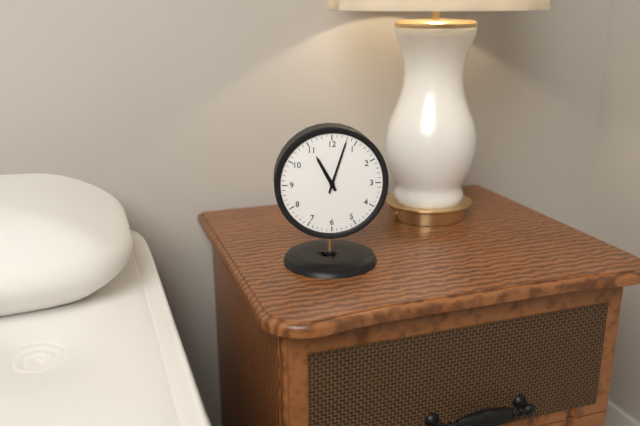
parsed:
11:03
